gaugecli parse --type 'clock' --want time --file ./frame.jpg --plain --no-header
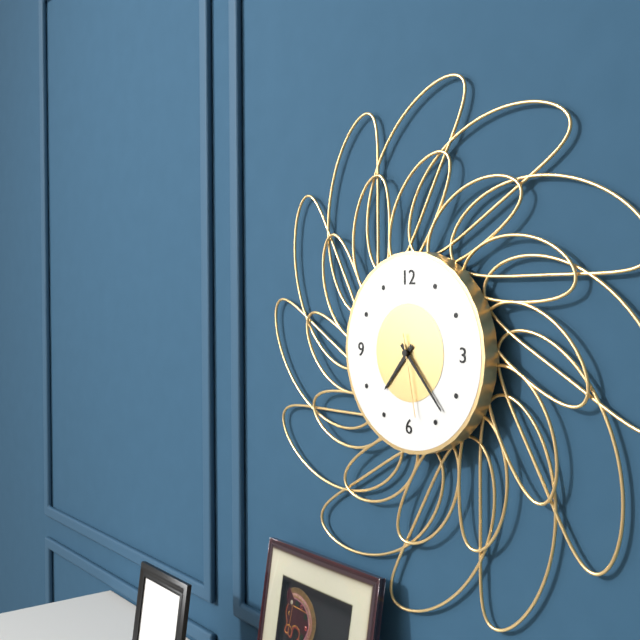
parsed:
7:23:28
